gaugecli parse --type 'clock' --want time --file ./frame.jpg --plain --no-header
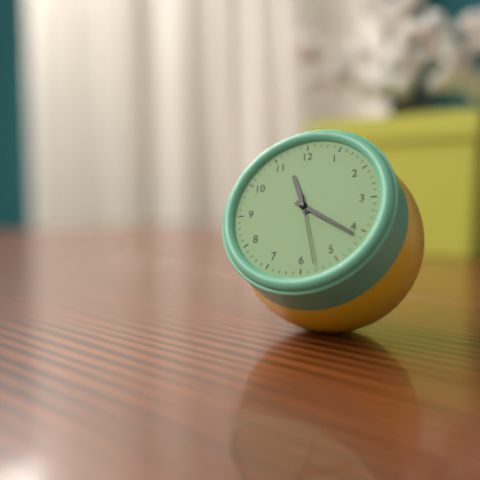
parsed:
11:21:28
